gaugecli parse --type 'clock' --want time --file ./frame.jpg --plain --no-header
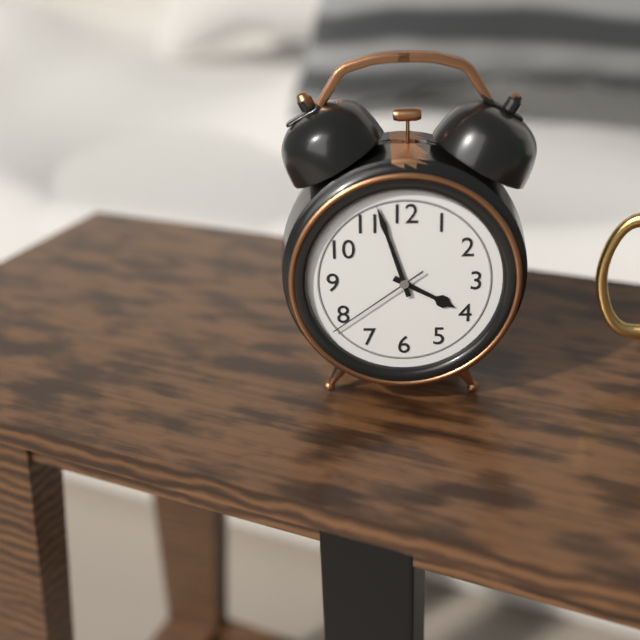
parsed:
3:57:39
